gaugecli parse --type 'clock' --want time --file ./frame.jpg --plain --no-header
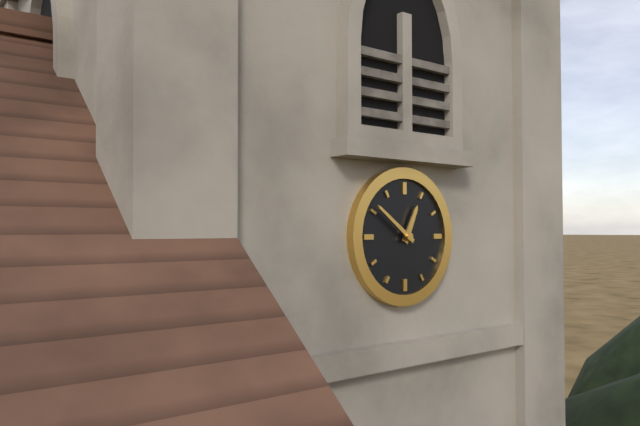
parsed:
12:51
